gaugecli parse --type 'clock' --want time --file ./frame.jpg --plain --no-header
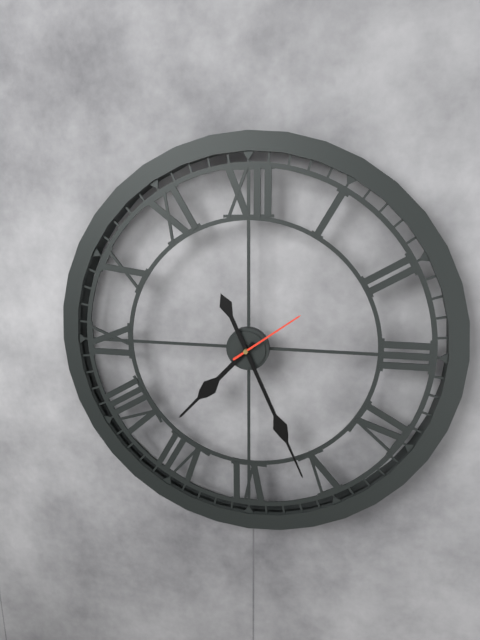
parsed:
7:26:09
